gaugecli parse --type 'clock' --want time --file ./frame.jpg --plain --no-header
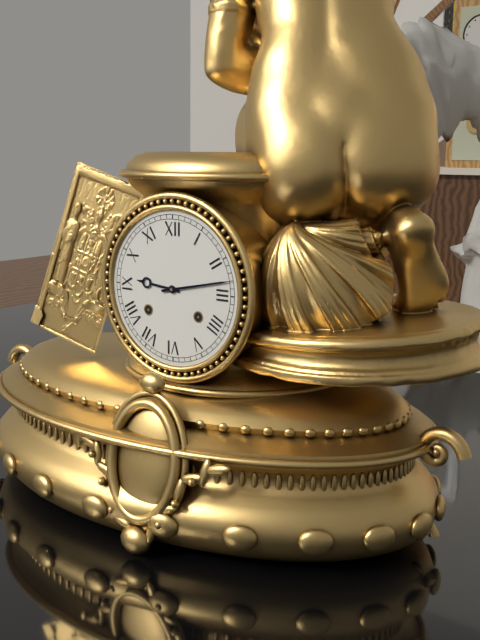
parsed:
9:13
